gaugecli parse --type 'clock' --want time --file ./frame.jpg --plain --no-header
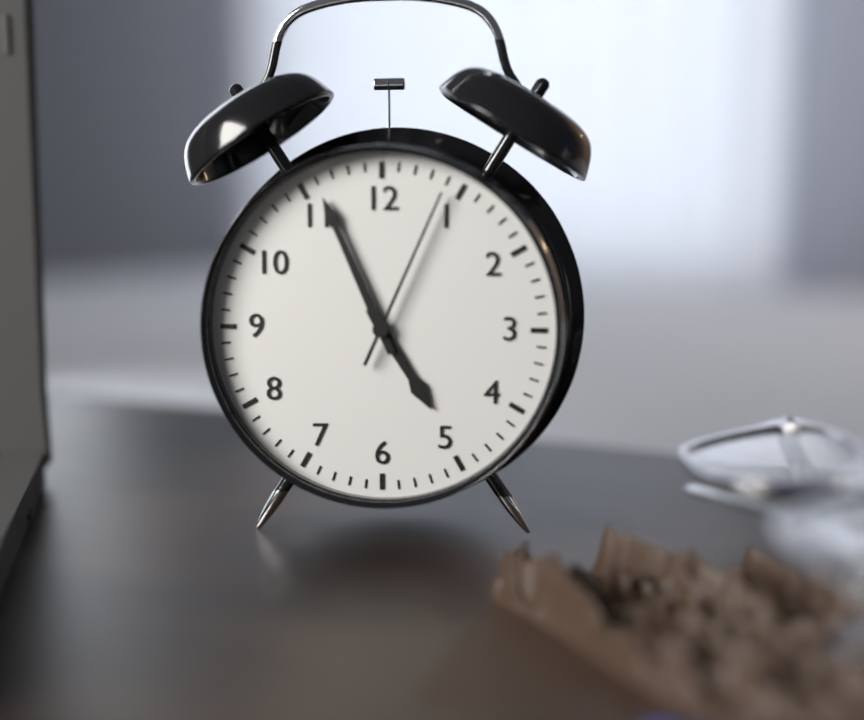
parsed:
4:56:04
